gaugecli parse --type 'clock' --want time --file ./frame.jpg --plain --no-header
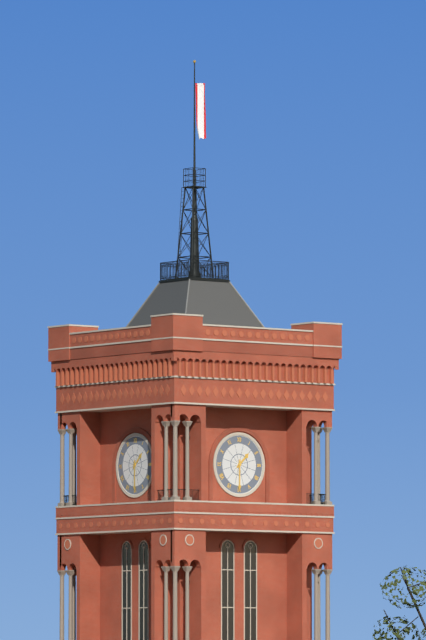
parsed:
1:30
